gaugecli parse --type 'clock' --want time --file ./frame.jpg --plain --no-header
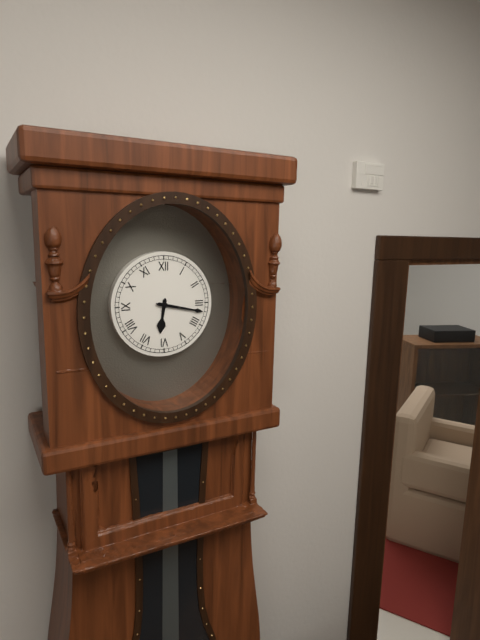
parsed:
6:17
